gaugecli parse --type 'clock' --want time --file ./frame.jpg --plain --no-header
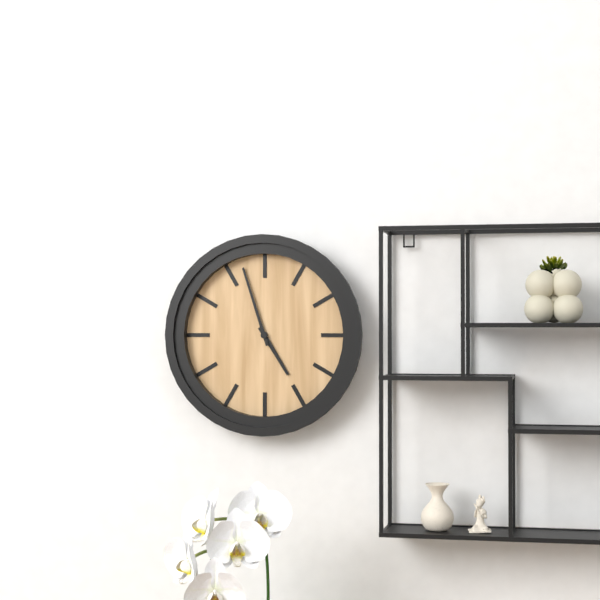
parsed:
4:57
